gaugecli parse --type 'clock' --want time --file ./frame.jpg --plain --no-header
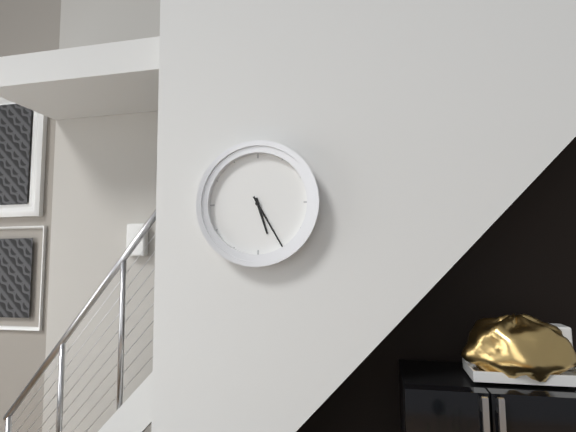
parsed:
5:25
